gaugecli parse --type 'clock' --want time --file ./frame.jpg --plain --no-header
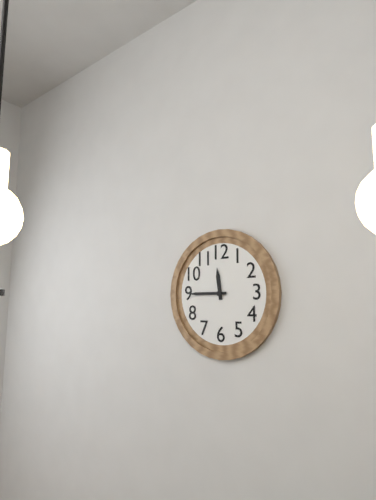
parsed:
11:45
